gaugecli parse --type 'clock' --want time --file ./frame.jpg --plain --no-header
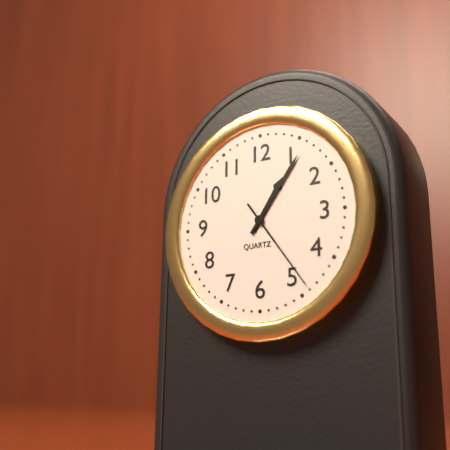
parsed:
1:06:24
